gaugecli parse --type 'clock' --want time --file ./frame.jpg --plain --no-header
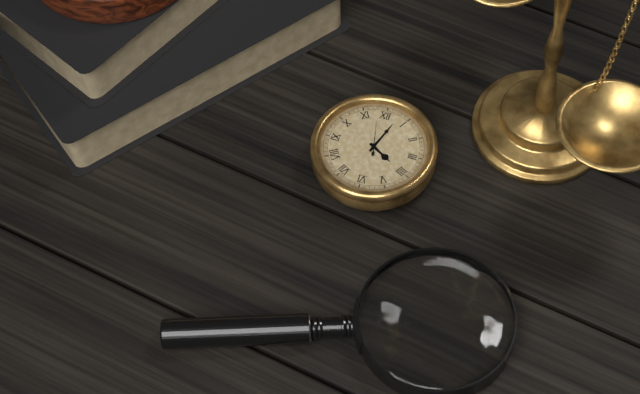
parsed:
4:03
